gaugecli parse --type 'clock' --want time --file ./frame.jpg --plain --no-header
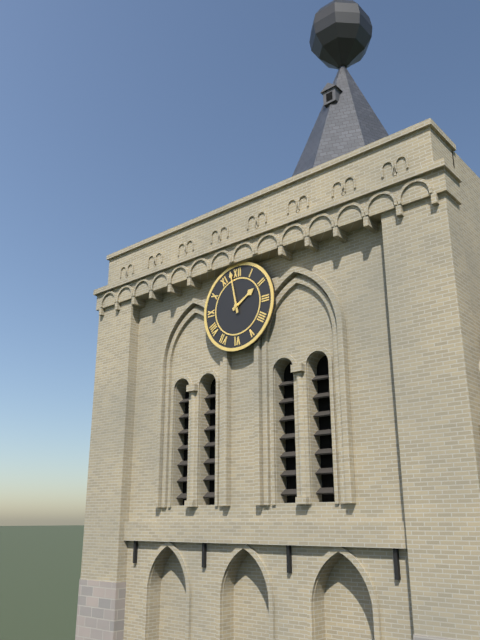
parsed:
1:58
